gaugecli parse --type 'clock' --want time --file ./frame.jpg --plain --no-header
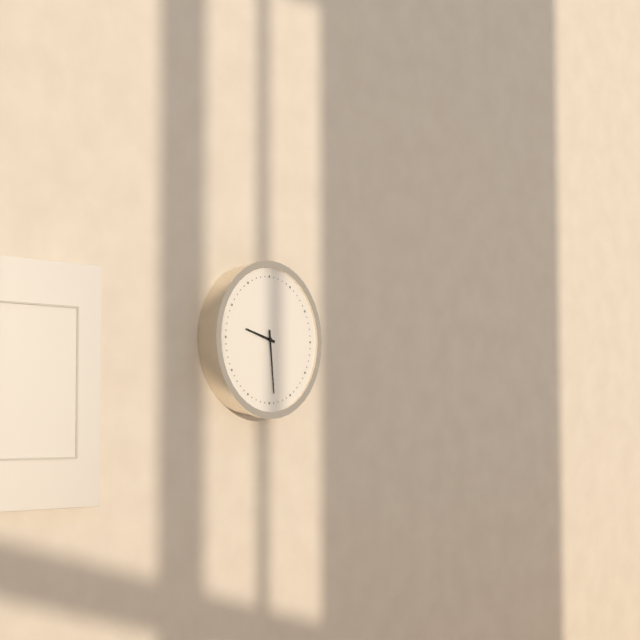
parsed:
9:29
